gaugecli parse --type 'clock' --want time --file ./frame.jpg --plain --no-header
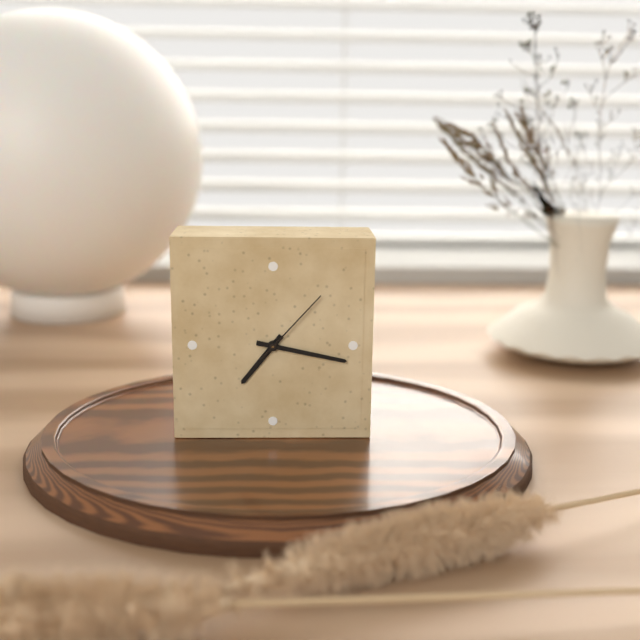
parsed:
7:17:07
